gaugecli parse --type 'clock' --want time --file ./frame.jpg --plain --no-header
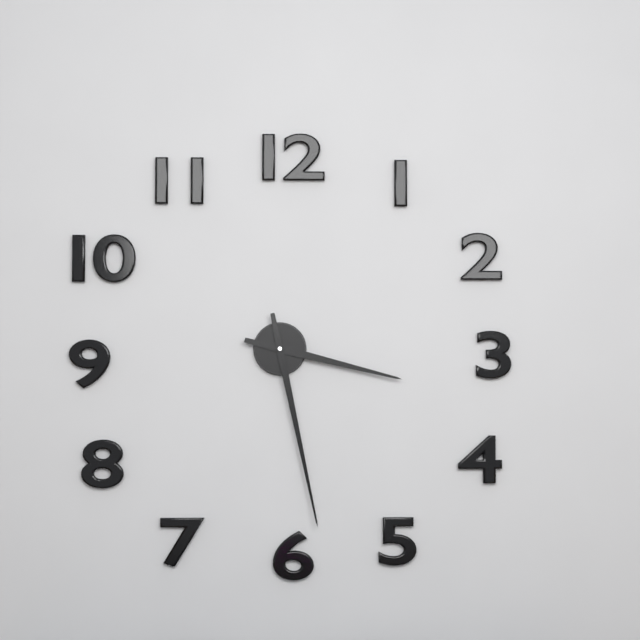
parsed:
3:28
